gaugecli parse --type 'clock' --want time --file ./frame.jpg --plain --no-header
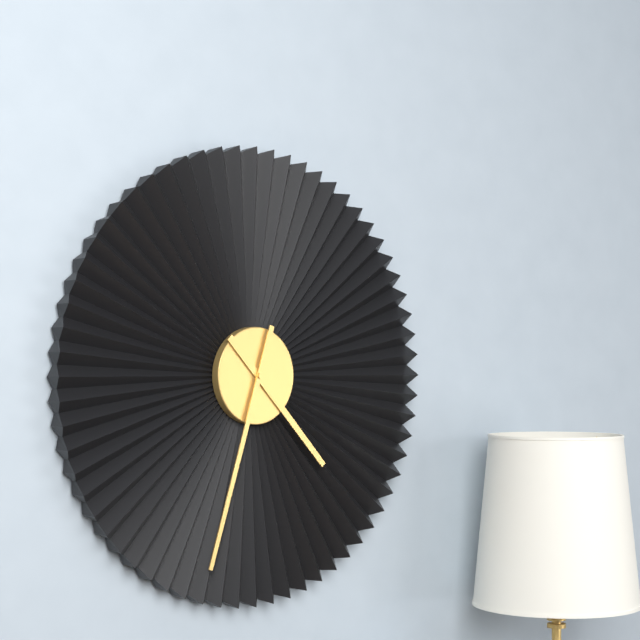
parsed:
4:33
